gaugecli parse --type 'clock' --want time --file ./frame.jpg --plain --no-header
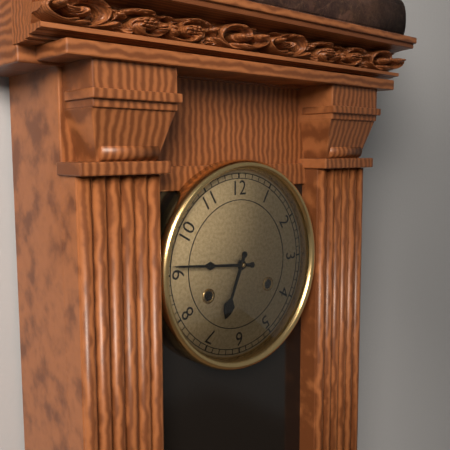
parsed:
6:46
